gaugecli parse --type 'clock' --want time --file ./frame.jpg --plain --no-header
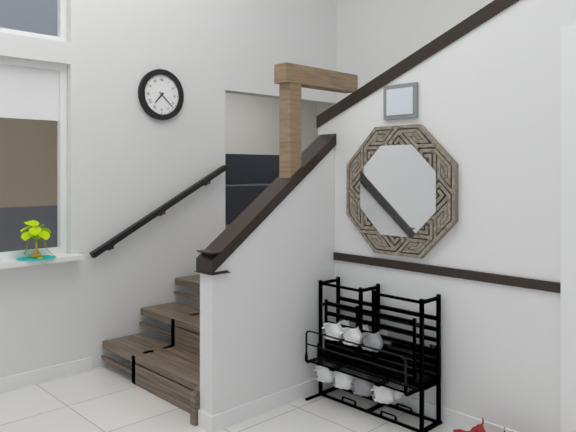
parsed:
7:22
